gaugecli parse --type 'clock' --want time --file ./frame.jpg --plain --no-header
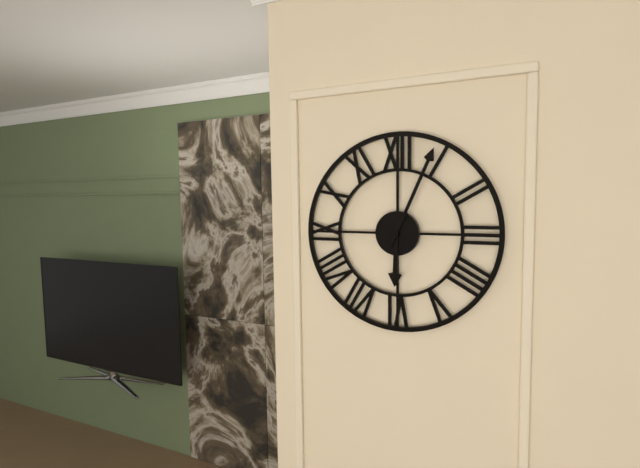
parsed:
6:04
